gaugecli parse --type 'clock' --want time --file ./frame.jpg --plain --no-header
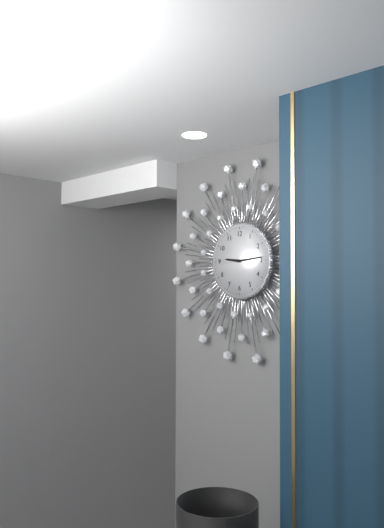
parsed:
9:14
